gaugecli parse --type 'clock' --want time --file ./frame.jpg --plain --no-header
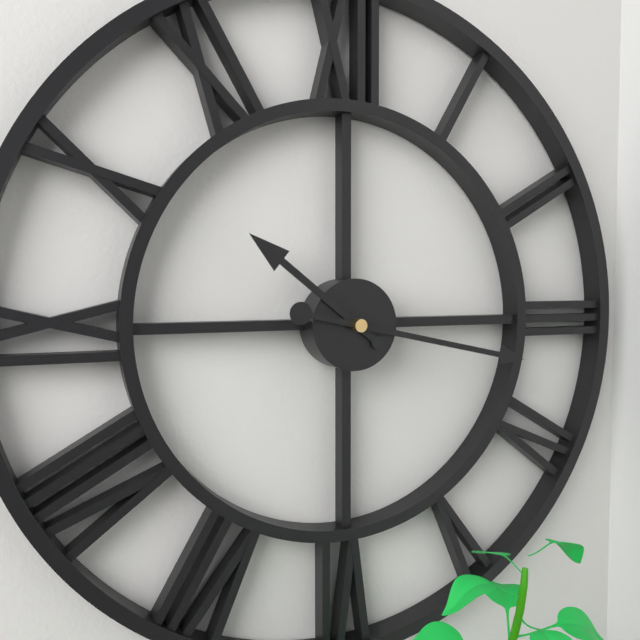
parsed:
10:17
